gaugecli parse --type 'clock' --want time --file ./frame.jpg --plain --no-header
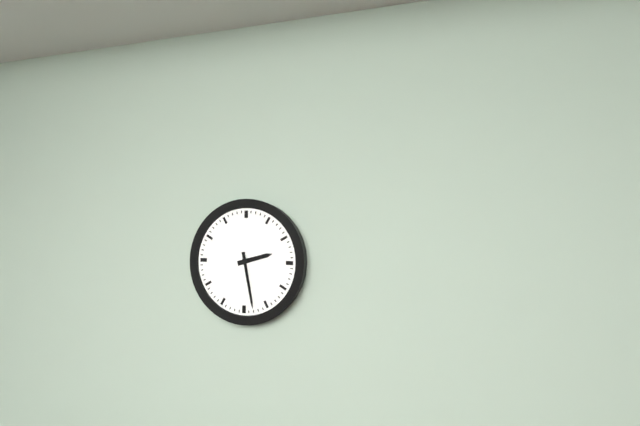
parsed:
2:28
